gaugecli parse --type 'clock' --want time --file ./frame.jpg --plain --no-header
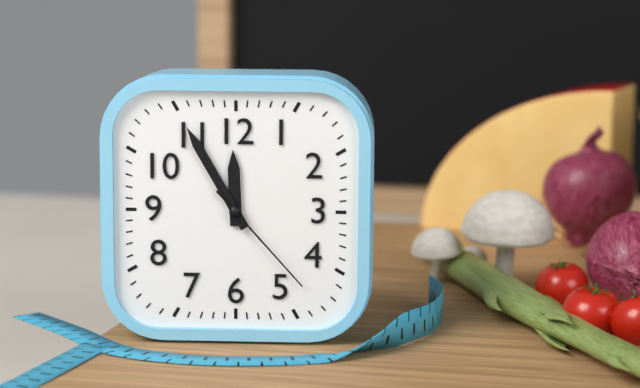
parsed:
11:55:23
